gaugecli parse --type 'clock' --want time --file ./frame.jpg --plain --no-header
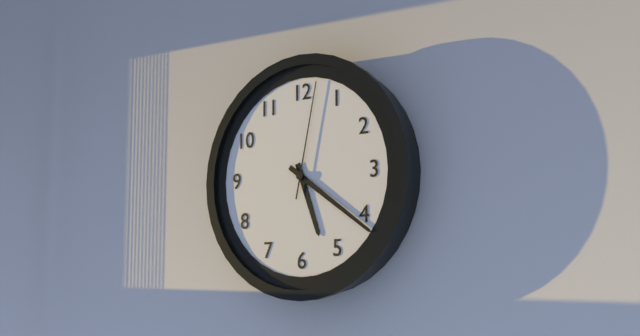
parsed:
5:21:02
